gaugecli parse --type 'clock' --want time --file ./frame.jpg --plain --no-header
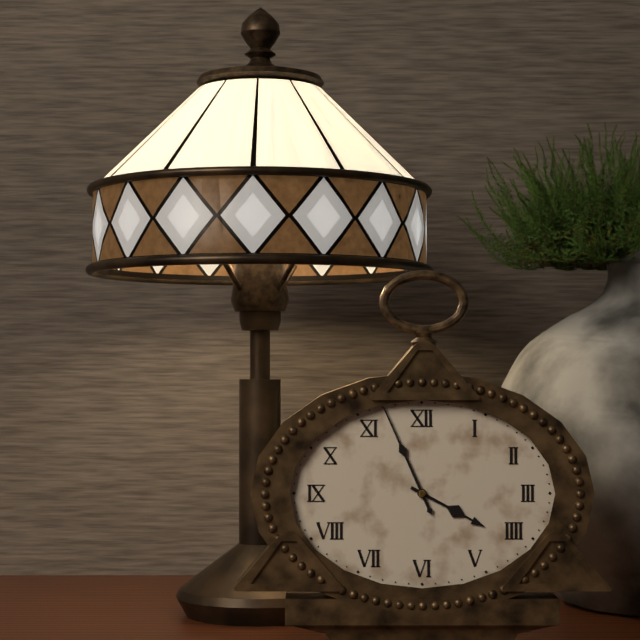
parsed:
3:56
